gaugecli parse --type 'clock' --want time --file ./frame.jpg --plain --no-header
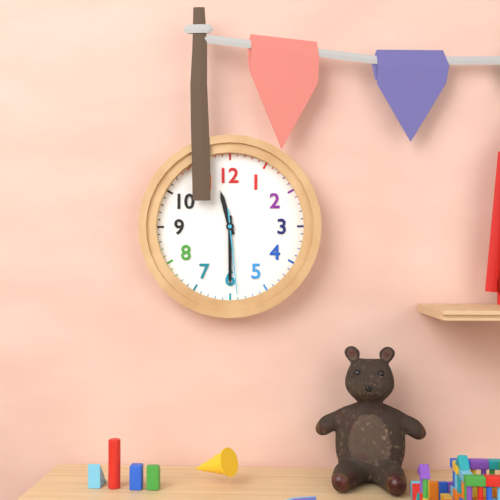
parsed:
11:30:29
